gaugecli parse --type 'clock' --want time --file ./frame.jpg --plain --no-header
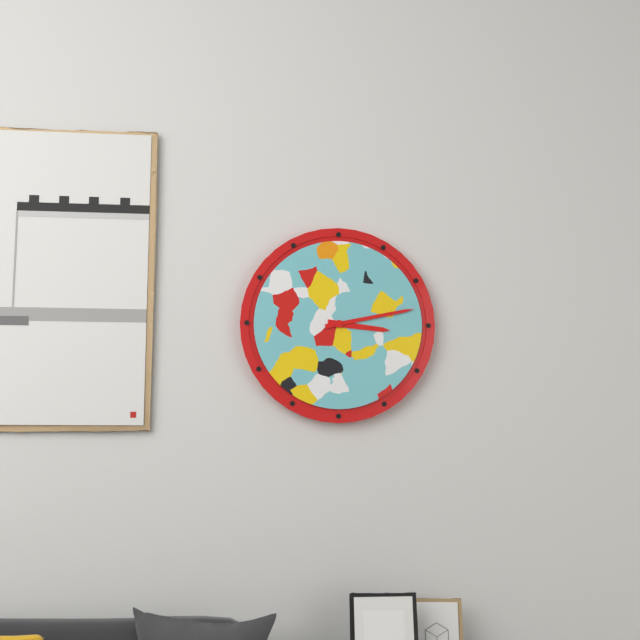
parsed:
3:13
